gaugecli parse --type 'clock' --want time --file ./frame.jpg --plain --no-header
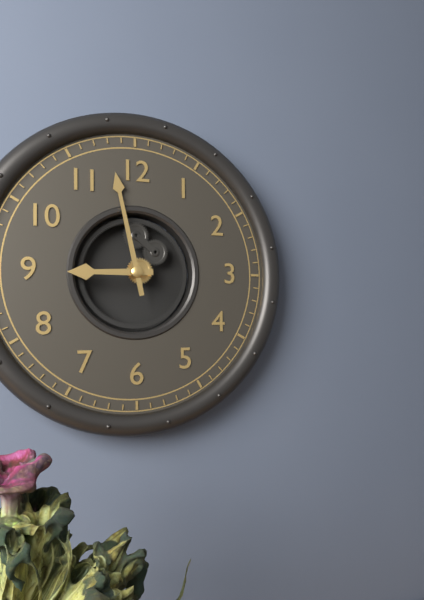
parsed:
8:58
